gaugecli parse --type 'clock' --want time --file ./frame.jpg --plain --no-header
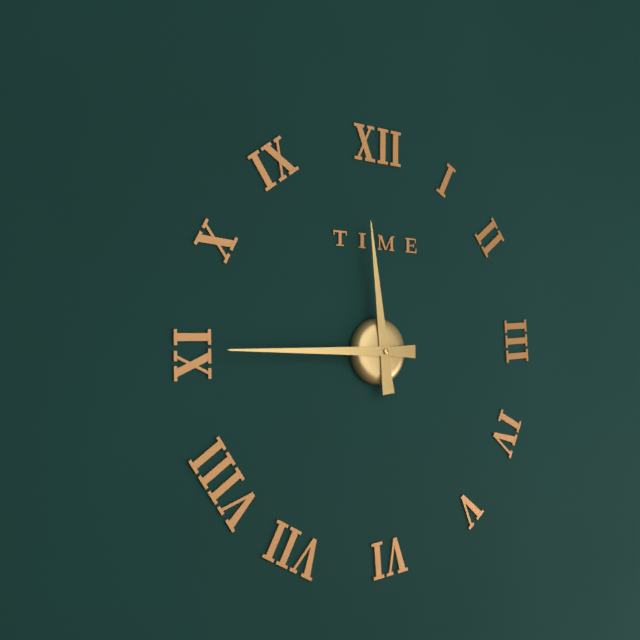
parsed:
11:45
